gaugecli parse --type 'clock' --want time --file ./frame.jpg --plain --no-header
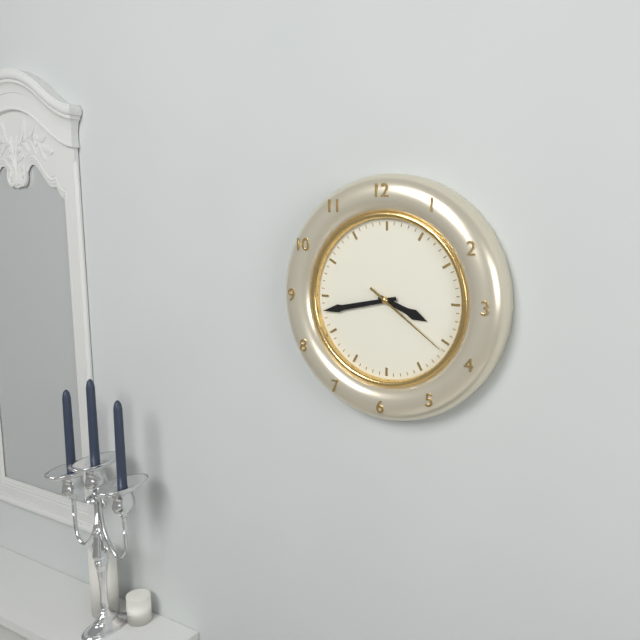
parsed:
3:43:21
